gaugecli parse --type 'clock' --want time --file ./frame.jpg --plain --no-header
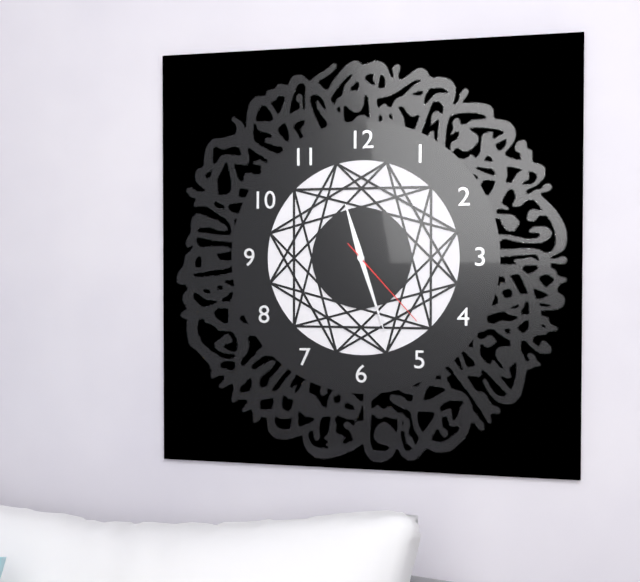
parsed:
11:27:23
